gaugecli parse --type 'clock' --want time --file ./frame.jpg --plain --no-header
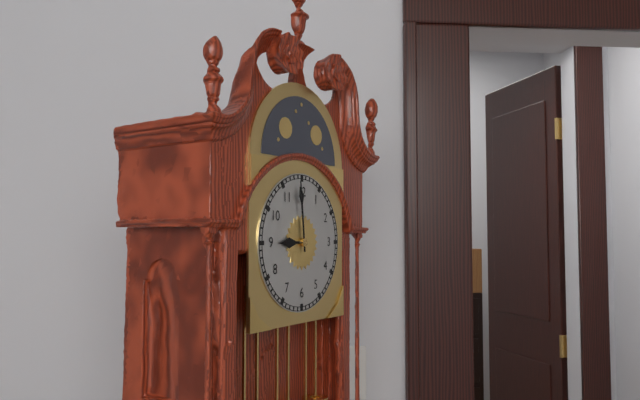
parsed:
8:59
